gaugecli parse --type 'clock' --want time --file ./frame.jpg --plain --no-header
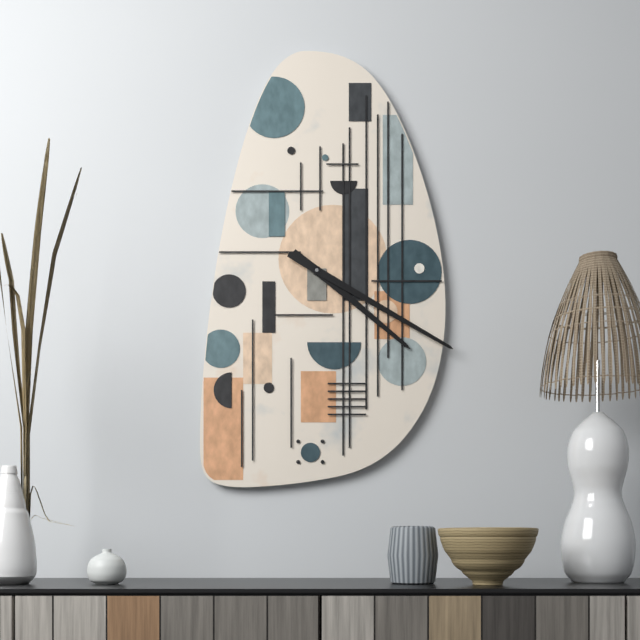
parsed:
4:20
